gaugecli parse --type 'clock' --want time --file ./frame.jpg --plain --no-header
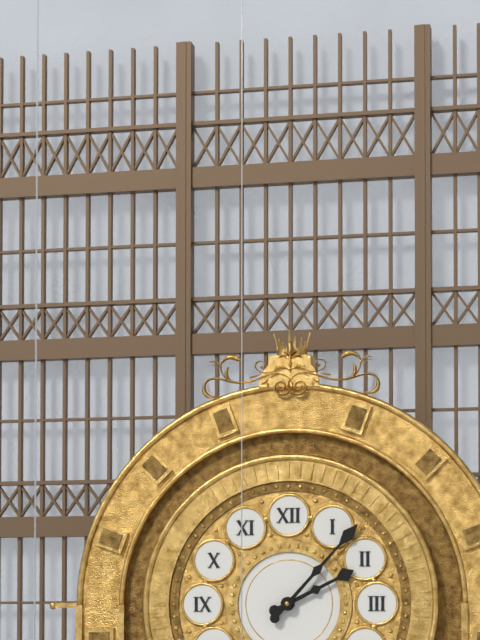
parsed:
2:07
